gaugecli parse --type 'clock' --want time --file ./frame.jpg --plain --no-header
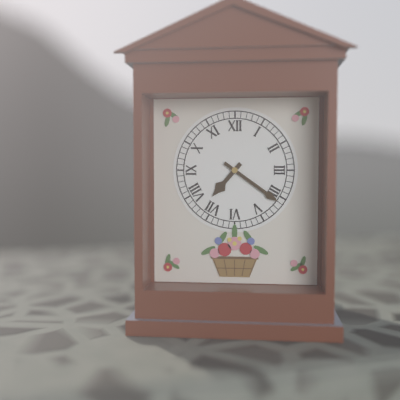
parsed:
7:21
